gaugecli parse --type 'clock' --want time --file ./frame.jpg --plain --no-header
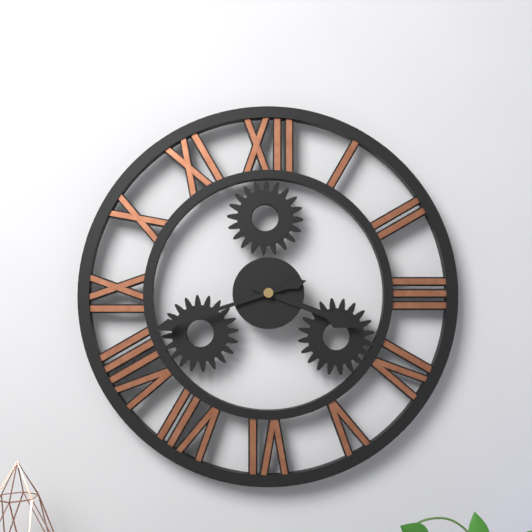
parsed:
3:42
